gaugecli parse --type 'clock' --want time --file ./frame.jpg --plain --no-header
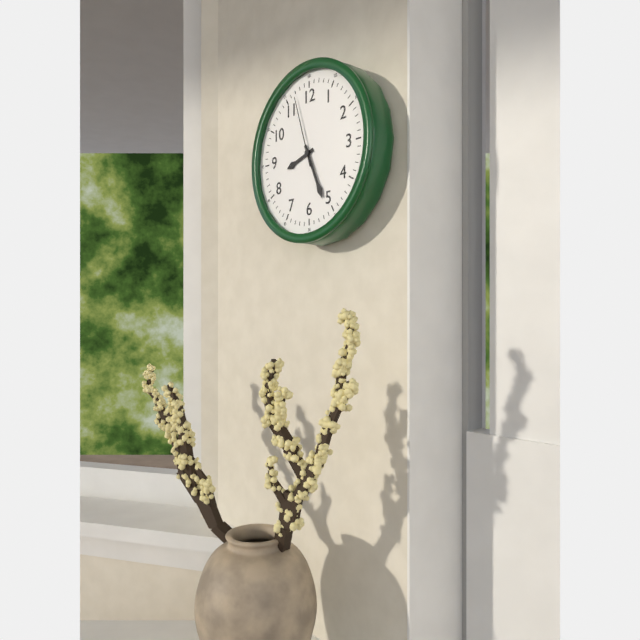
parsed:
8:26:57
